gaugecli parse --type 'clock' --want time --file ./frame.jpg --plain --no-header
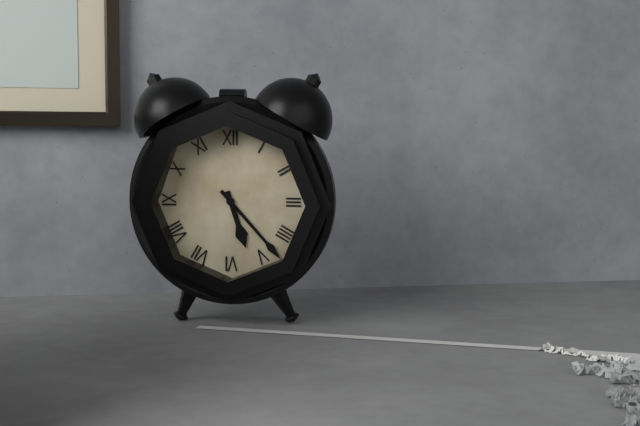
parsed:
5:23
